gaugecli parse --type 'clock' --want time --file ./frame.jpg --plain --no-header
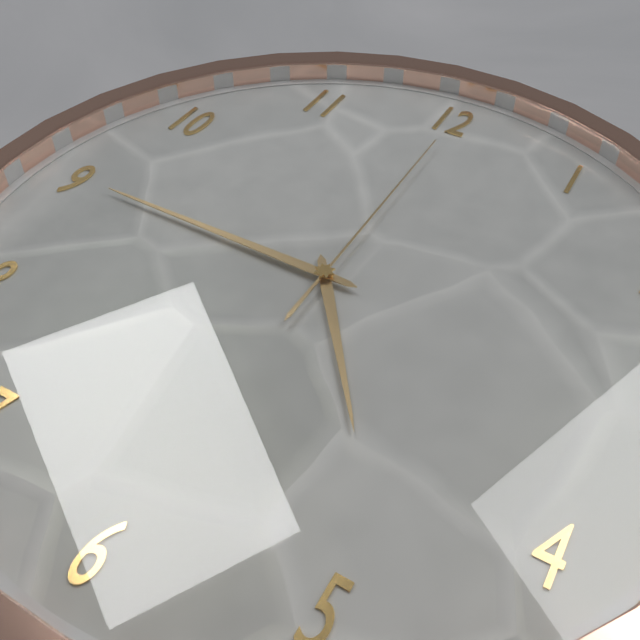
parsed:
4:45:00
